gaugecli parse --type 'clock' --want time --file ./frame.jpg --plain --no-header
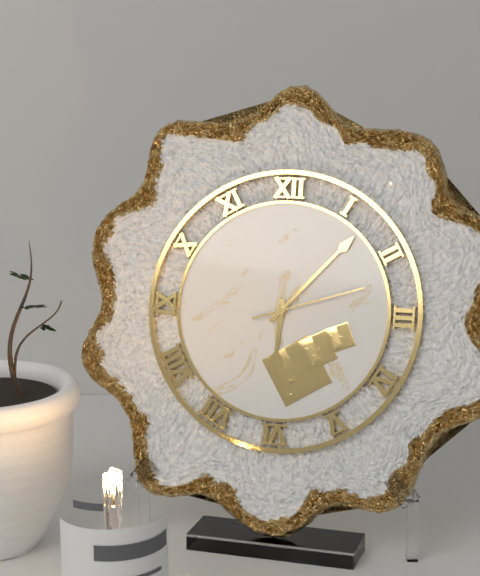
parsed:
6:07:12
